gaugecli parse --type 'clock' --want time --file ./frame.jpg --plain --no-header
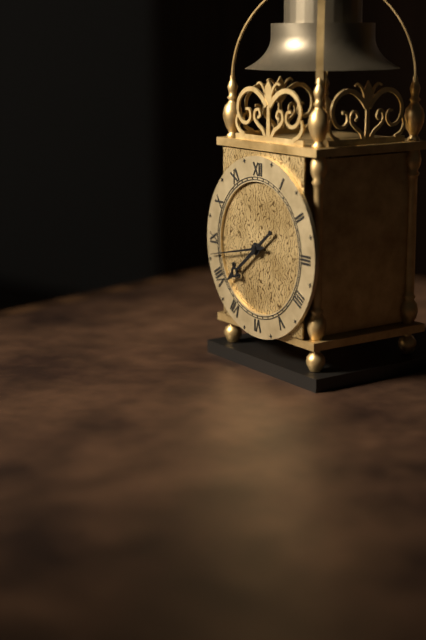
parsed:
7:43
